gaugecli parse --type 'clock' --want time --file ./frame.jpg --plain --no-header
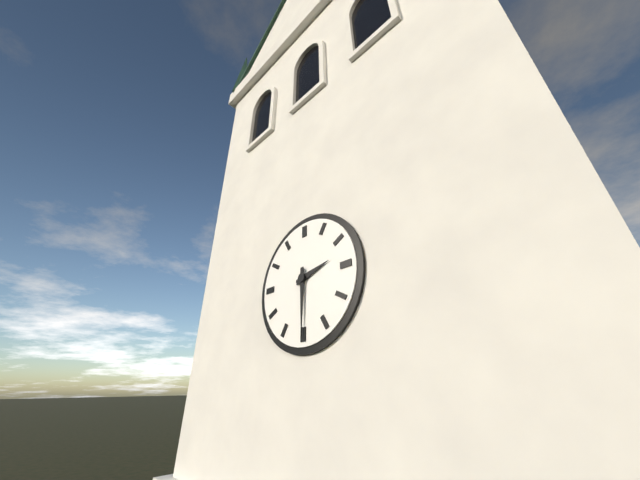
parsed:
2:30
